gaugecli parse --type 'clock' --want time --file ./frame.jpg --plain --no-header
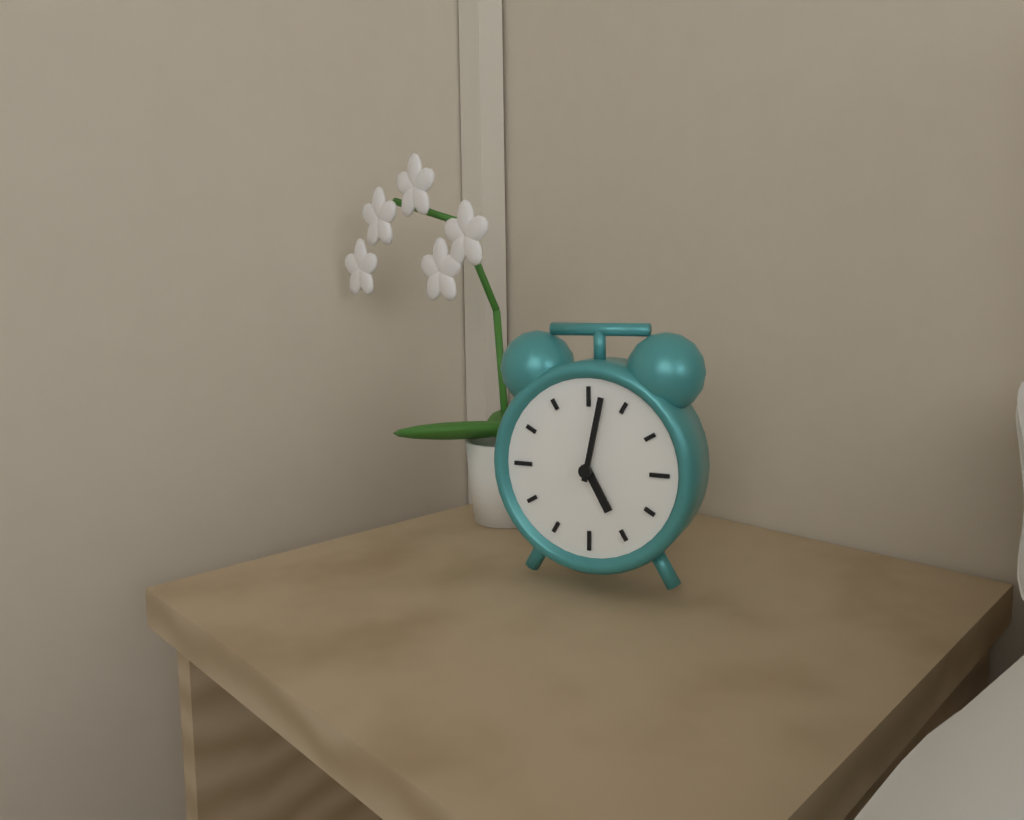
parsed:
5:02
